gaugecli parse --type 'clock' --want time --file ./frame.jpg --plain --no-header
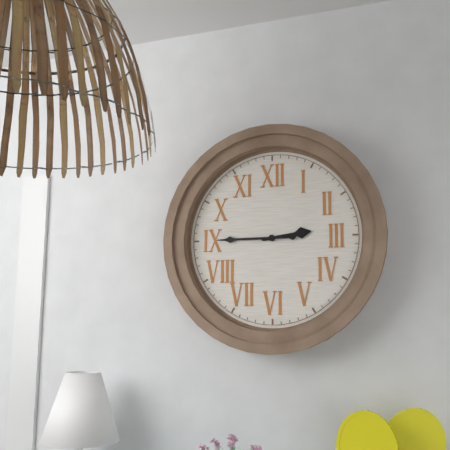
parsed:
2:45
